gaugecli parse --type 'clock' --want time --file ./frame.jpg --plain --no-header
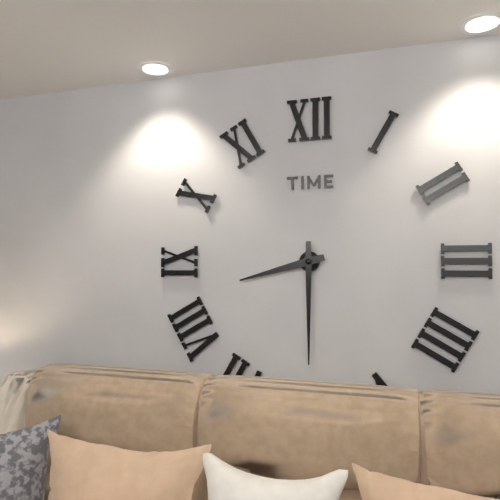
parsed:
8:30
